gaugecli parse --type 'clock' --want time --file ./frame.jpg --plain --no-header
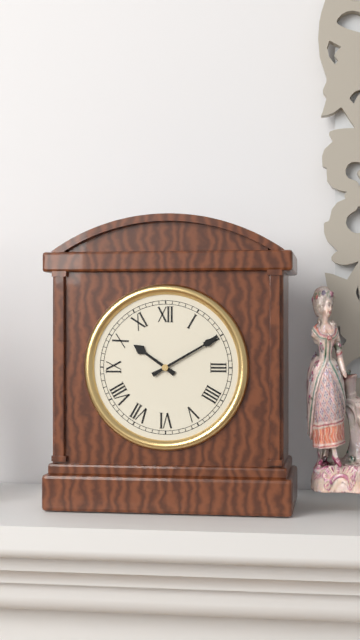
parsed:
10:10
